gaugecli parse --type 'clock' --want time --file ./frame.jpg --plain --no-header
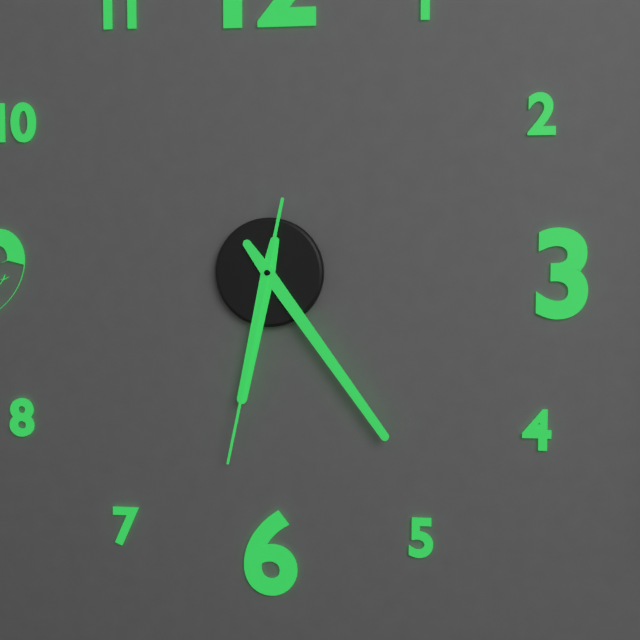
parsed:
6:24:32
